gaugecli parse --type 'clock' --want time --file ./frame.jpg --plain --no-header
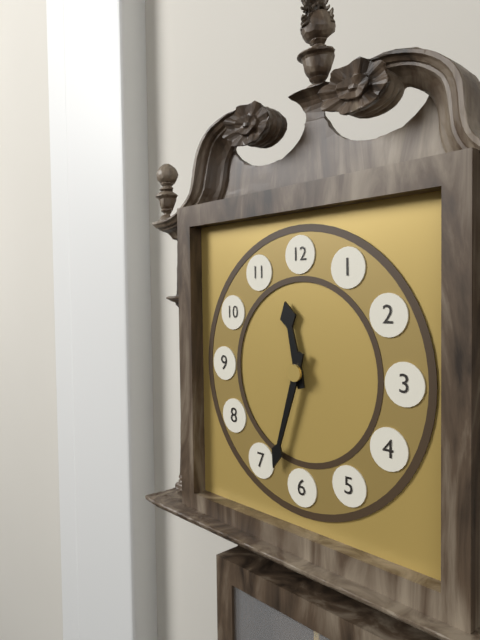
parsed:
11:33
